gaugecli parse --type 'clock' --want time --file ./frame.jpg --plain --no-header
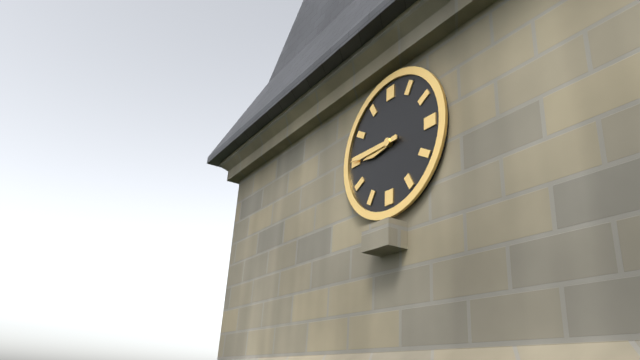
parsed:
8:45
